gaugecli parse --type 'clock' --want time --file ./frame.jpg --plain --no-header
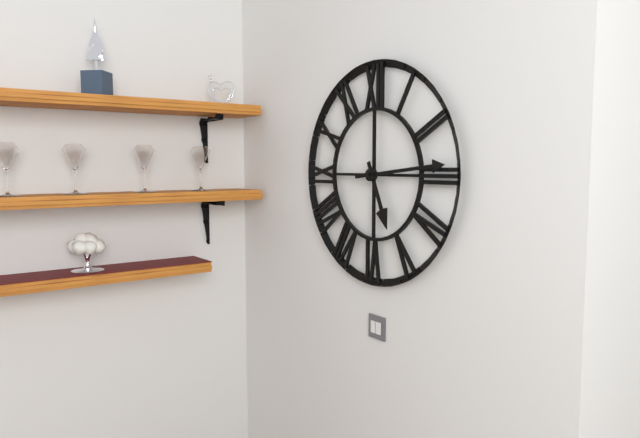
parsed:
5:14
